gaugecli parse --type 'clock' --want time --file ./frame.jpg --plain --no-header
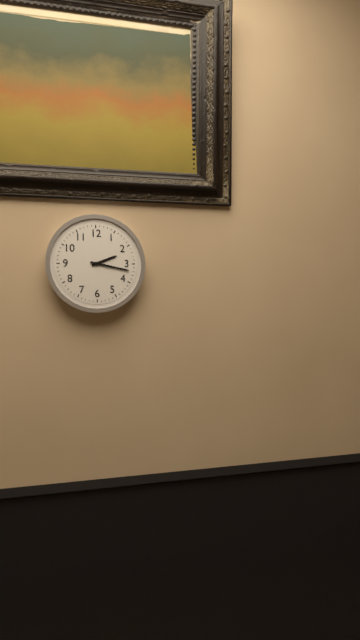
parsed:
2:17
